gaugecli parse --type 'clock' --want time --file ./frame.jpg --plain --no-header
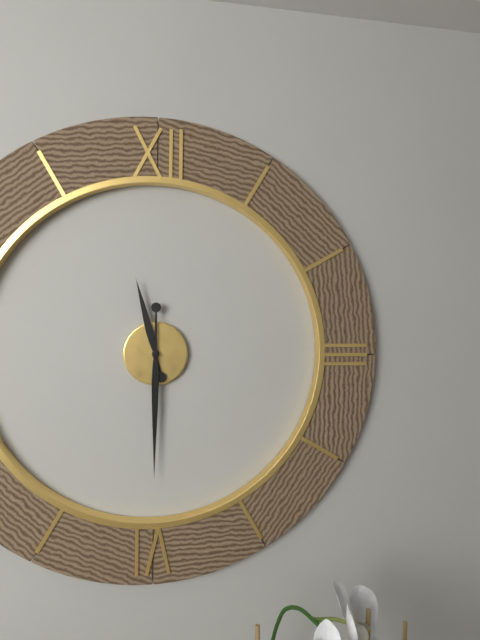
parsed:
11:30
